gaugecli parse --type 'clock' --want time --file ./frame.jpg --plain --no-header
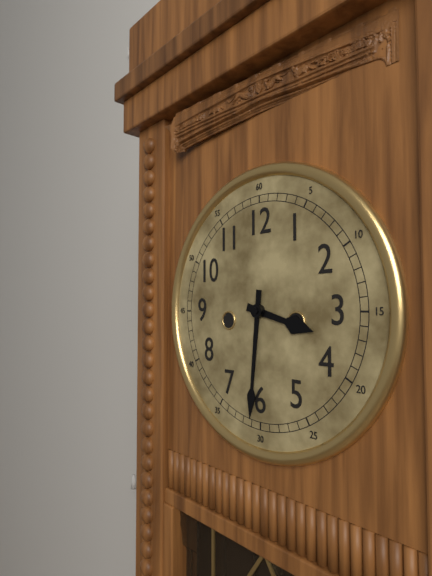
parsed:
3:31
